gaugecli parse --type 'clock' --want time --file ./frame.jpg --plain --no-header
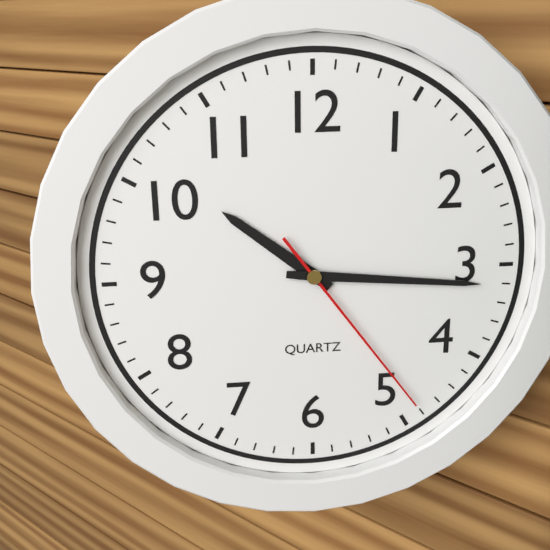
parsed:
10:16:24
